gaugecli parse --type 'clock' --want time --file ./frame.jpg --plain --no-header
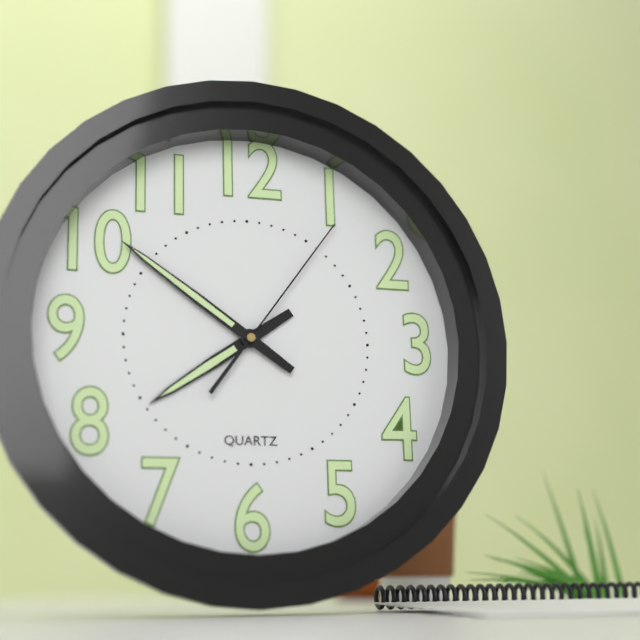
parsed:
7:51:06
